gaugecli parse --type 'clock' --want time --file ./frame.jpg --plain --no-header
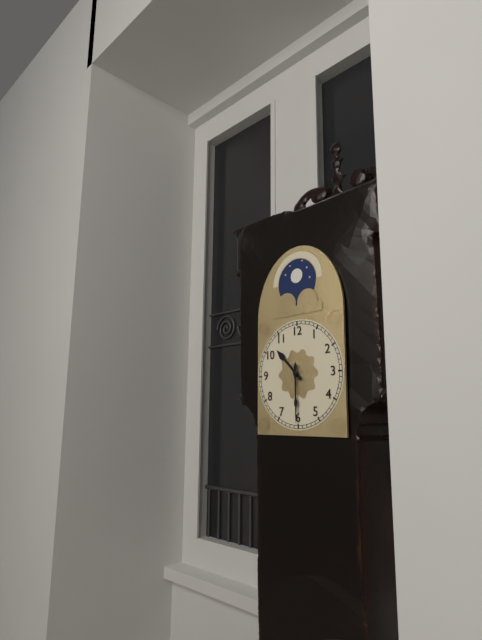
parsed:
10:30
